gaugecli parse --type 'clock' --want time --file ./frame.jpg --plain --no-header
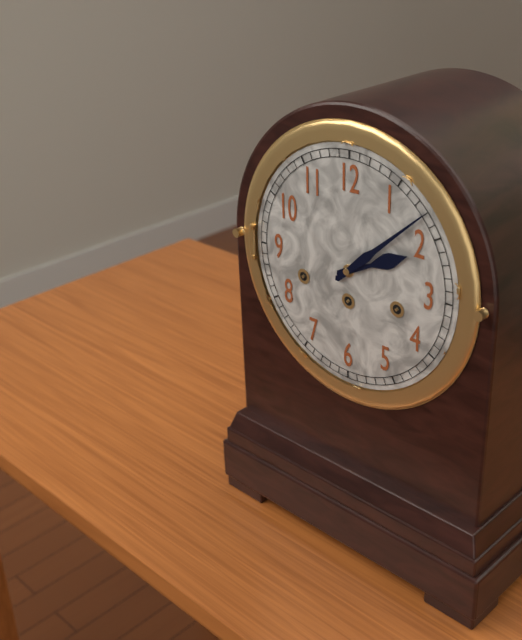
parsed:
2:08
